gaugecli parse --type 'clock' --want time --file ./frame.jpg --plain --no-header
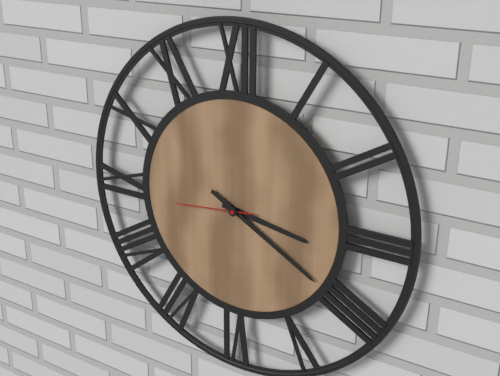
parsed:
3:20:44
